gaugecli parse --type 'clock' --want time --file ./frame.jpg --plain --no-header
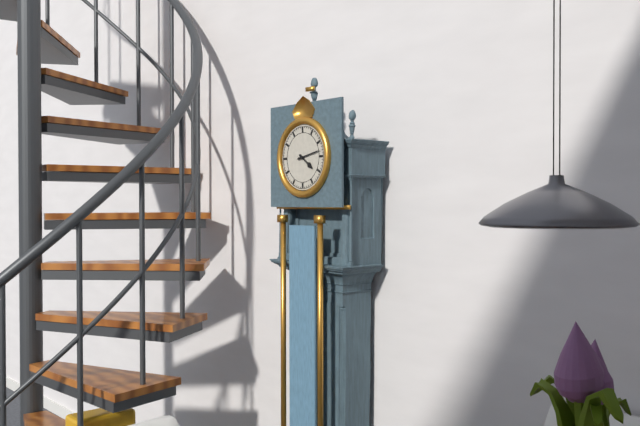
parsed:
4:13
